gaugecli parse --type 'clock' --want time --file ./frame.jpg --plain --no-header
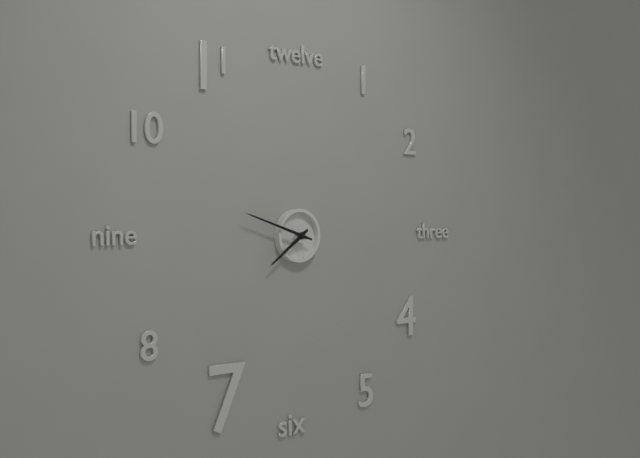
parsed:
7:48
